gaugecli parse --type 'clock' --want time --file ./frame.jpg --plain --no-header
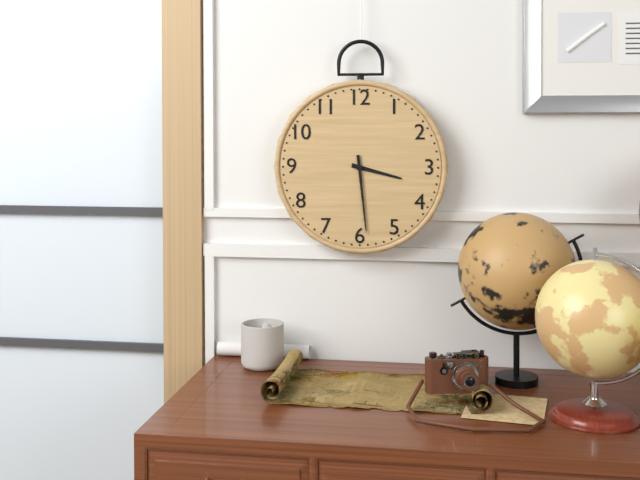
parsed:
3:29
